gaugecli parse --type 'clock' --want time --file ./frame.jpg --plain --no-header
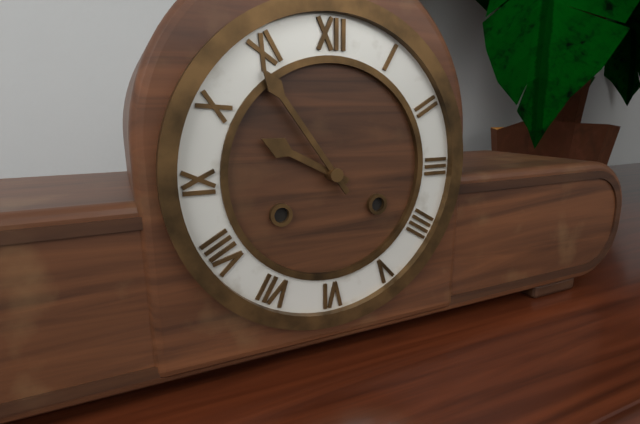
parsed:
9:54
